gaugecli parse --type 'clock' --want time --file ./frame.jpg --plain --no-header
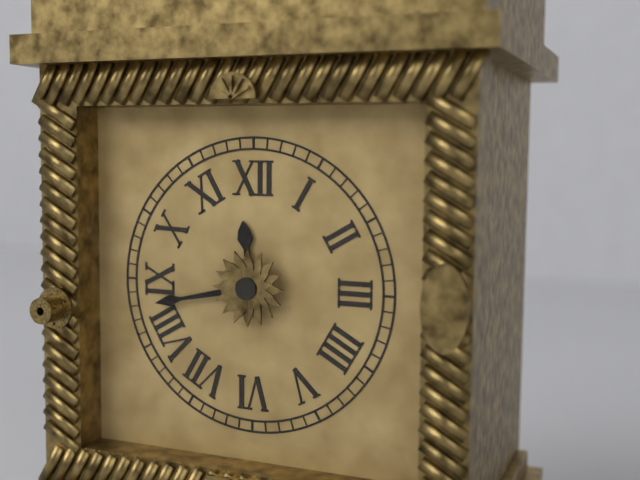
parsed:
11:43
